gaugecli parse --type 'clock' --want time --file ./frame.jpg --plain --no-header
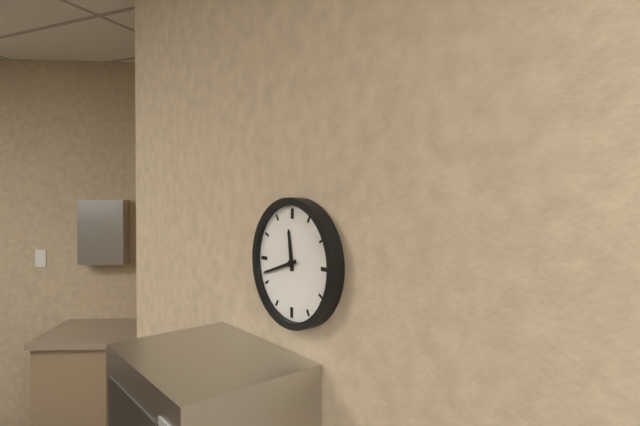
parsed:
11:42
